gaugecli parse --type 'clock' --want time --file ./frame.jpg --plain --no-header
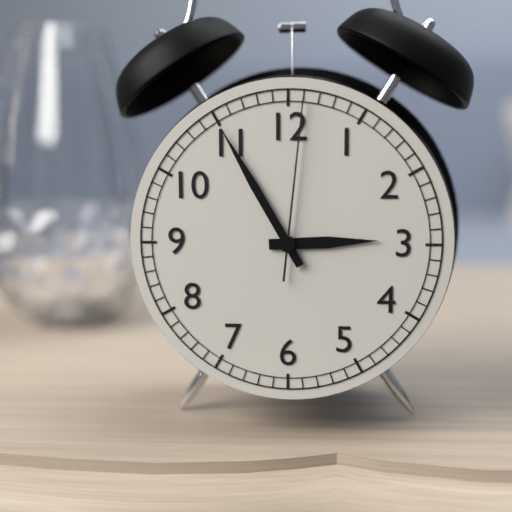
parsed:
2:55:01
